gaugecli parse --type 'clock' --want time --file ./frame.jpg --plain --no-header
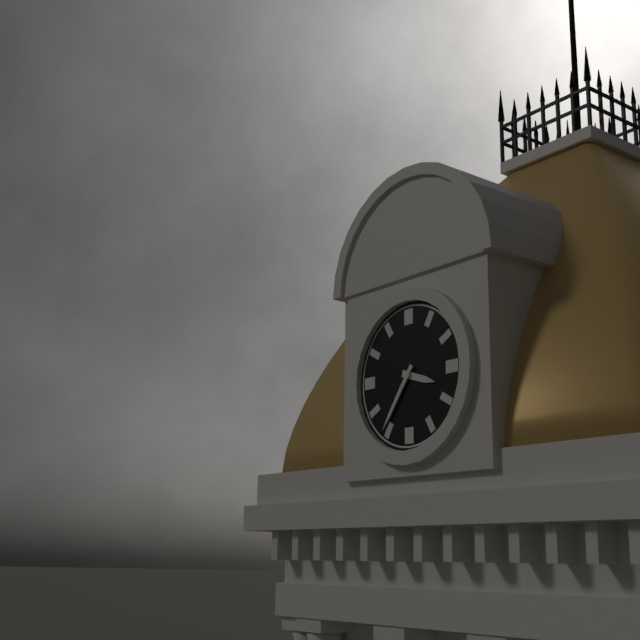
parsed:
3:36
